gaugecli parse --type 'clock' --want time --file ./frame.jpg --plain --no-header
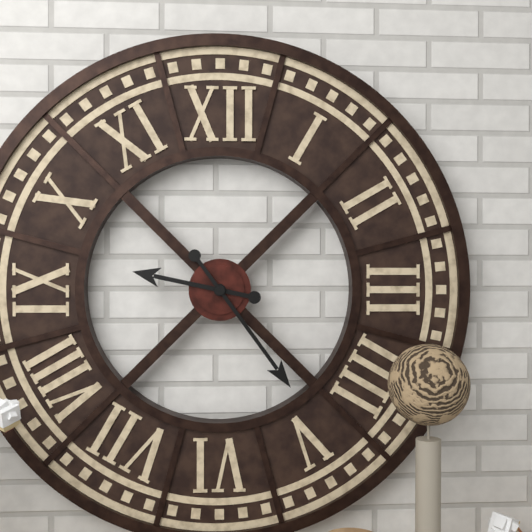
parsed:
9:24
